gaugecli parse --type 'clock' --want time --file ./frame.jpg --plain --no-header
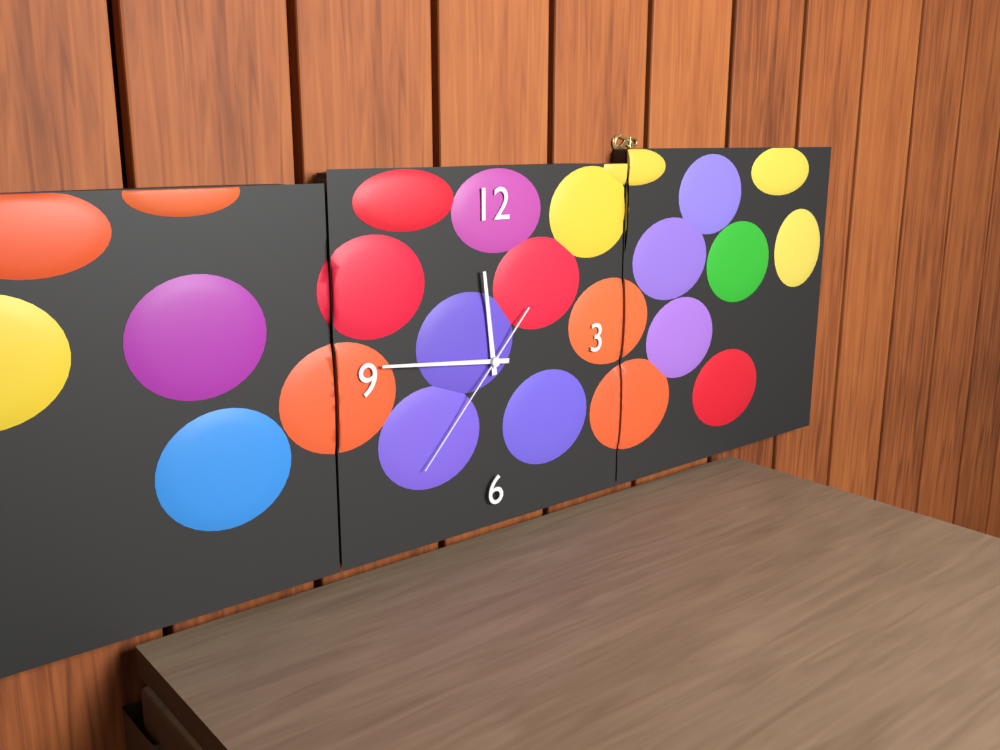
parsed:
11:46:37
